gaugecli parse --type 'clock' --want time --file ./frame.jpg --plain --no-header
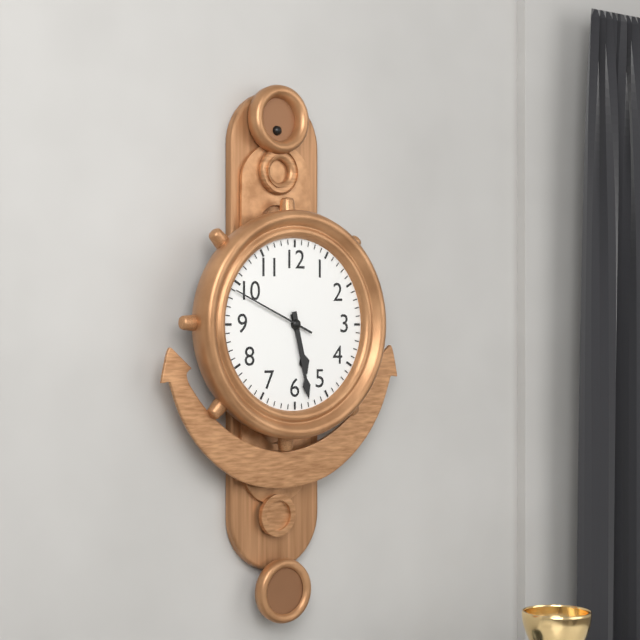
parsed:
5:28:49
